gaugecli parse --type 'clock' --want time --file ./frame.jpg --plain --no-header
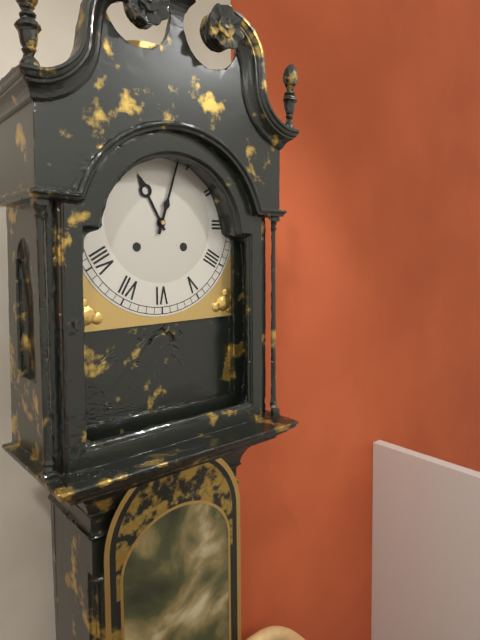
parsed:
11:03
